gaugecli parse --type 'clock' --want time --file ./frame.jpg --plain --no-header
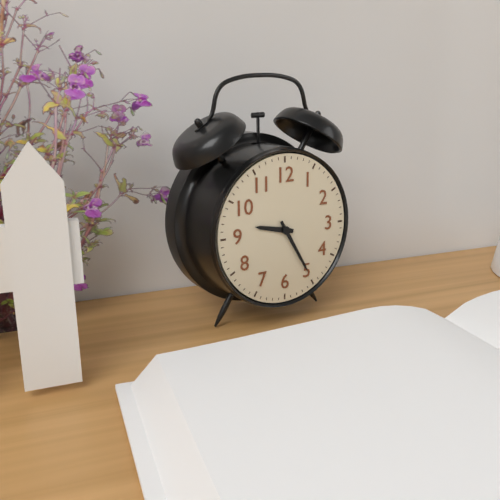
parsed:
9:25
